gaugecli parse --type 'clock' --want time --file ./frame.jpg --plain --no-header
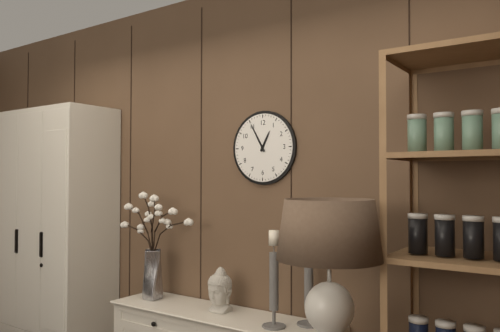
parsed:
12:55
